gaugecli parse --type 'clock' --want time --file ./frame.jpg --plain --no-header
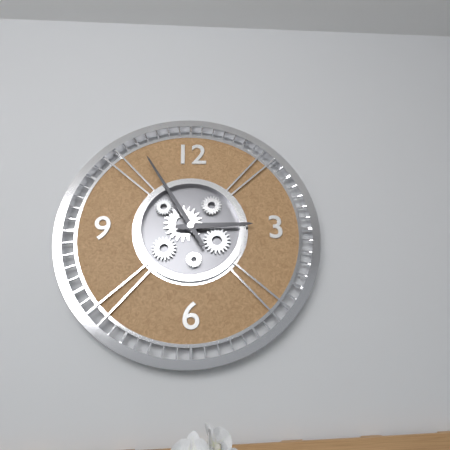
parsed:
2:55
